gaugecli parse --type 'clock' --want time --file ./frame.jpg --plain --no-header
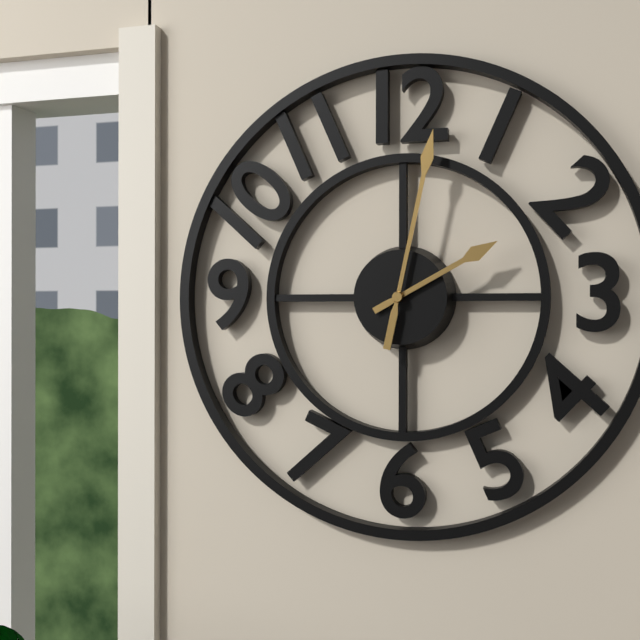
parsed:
2:02
